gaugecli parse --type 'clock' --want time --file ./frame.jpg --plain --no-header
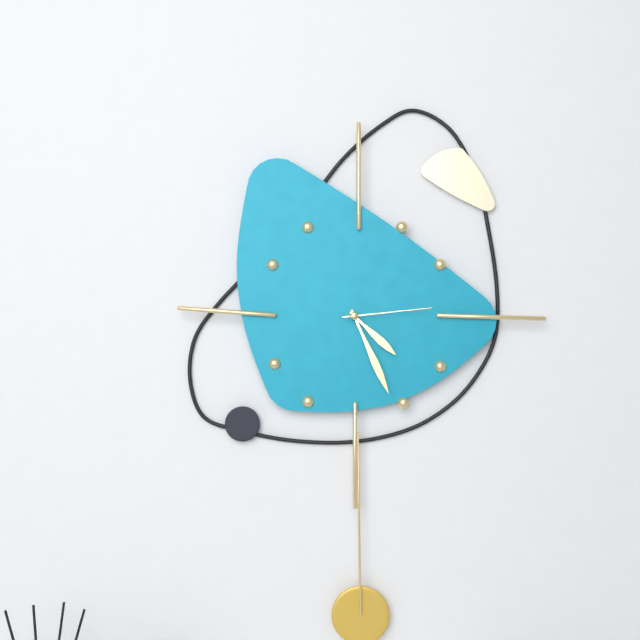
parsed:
4:26:14
